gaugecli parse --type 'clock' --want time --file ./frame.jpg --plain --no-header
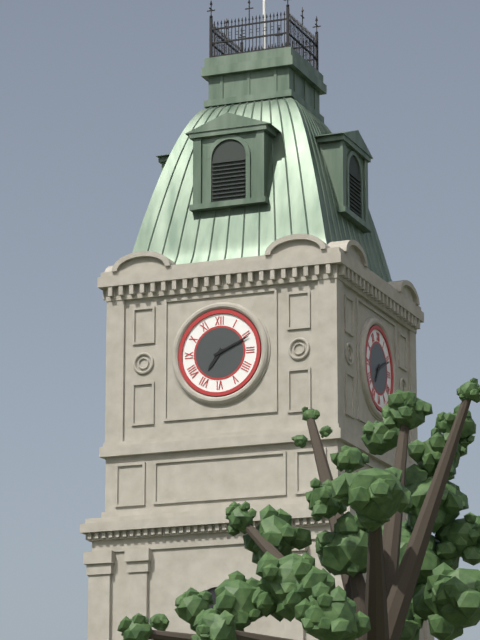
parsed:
7:11
